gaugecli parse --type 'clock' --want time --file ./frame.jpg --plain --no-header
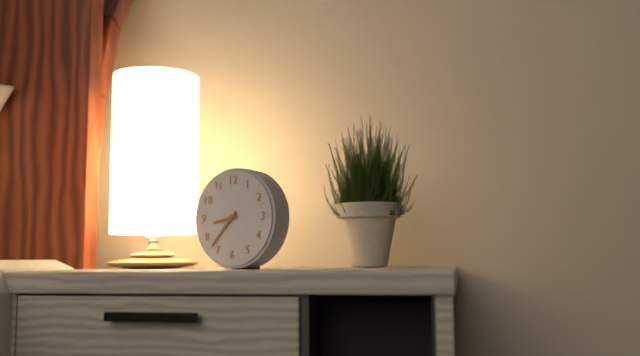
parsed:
8:37
